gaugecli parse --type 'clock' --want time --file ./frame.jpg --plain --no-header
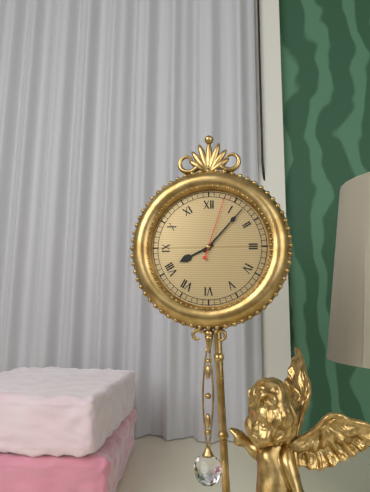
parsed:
8:07:03
